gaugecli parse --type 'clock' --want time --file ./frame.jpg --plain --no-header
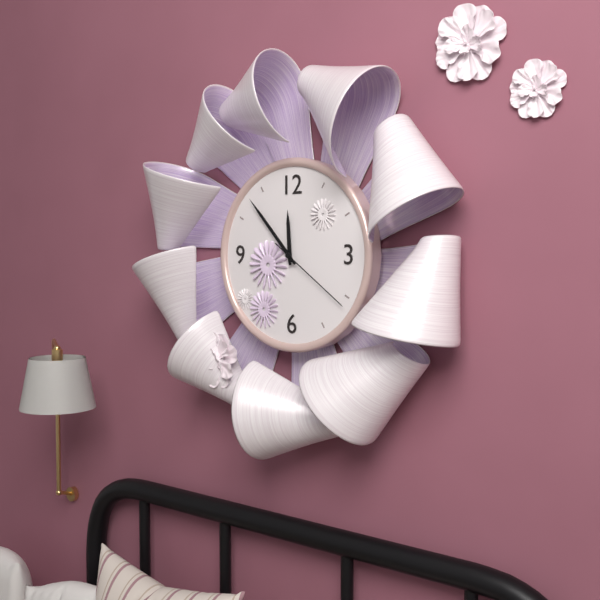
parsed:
11:53:21
